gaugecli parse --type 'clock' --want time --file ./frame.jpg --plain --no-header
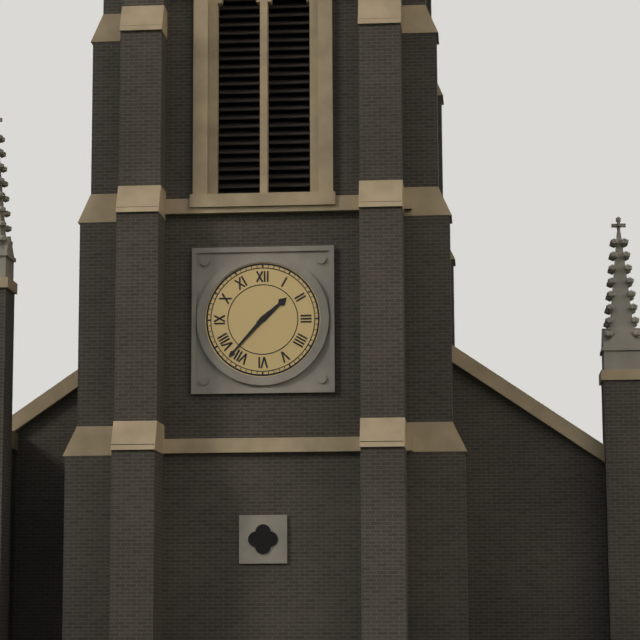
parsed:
1:37
